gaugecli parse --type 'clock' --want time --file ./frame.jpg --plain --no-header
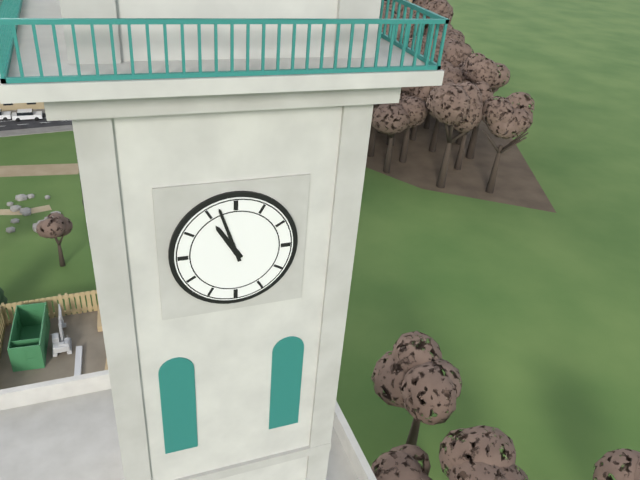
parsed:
10:57
